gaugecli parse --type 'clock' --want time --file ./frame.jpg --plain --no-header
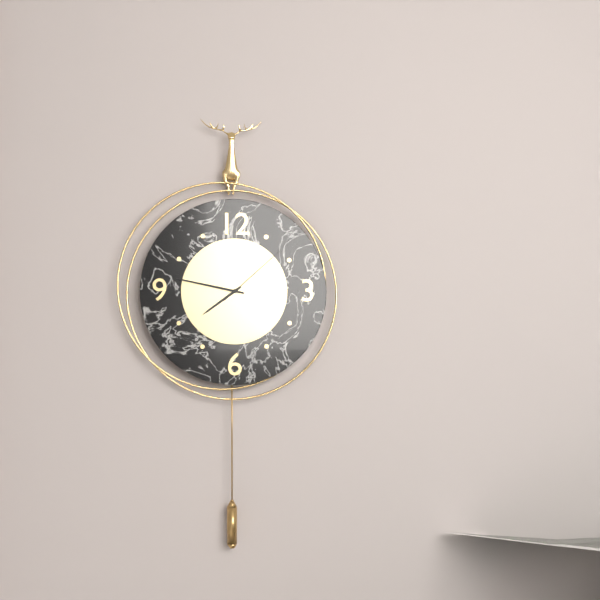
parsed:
7:47:08
